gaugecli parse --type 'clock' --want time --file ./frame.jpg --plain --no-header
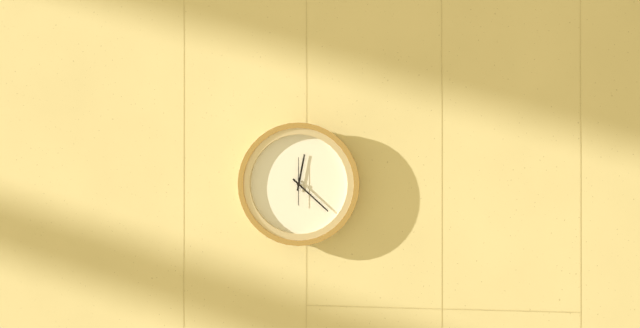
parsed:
12:22
